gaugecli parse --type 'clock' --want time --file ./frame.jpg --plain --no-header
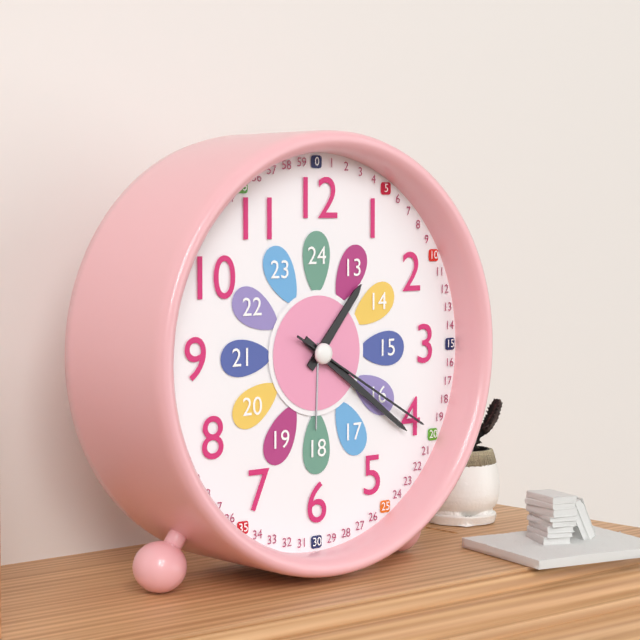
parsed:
1:21:20
